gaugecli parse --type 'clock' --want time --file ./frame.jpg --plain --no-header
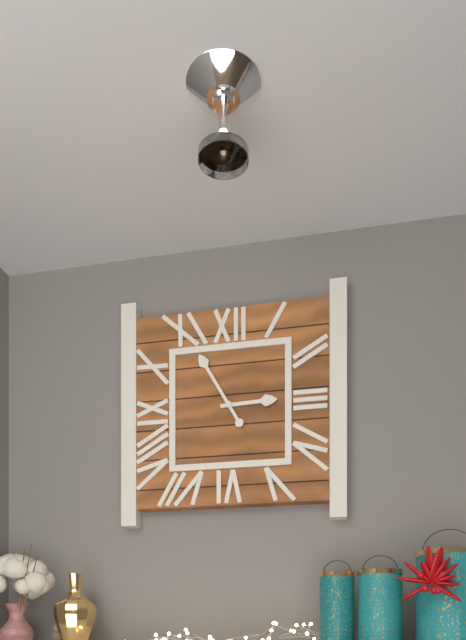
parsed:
2:55
